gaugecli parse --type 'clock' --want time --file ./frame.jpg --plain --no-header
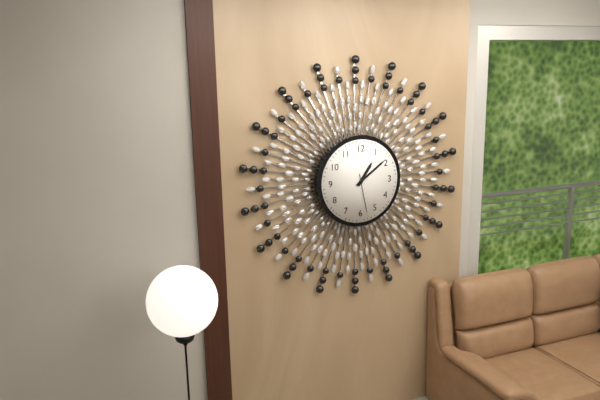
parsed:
1:09
